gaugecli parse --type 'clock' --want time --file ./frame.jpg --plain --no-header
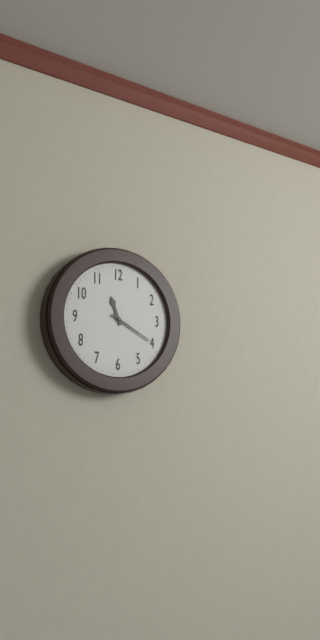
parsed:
11:20
